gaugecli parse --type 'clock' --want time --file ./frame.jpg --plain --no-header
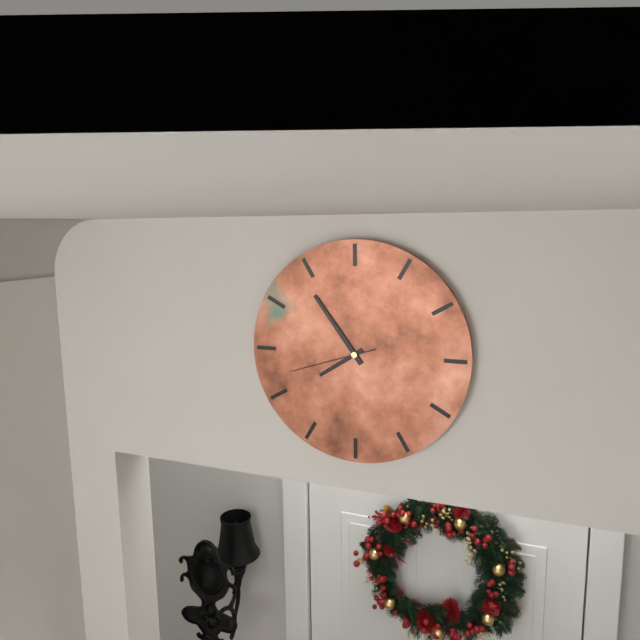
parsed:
7:54:42
